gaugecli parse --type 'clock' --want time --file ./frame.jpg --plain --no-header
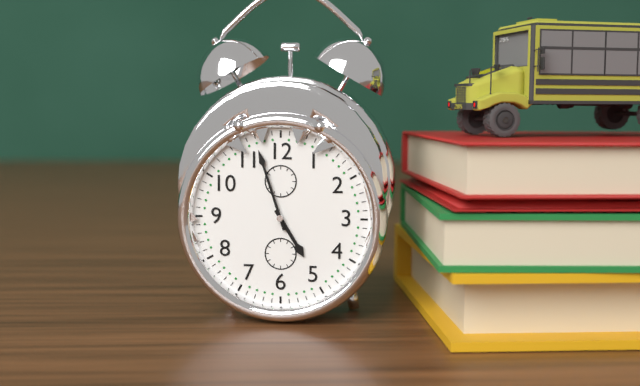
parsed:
4:57
